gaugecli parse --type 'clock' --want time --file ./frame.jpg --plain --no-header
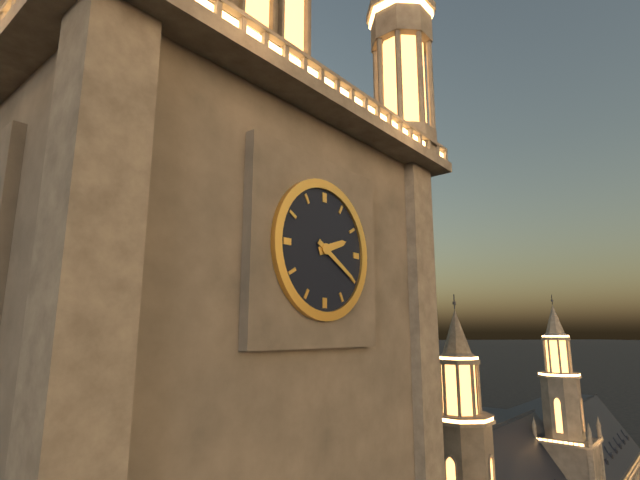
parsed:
2:20
